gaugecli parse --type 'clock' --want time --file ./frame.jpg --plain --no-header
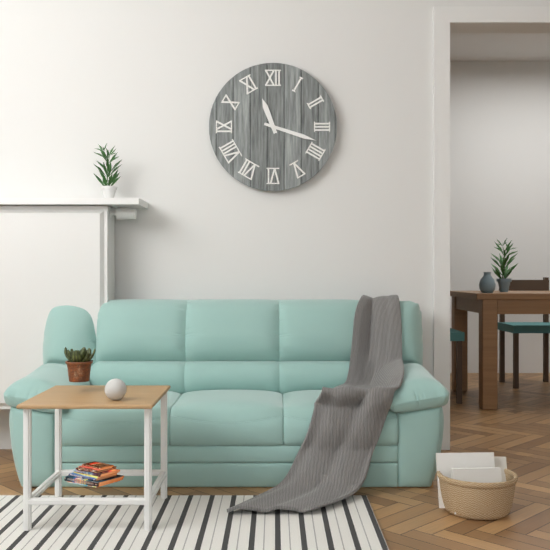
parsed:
11:18
